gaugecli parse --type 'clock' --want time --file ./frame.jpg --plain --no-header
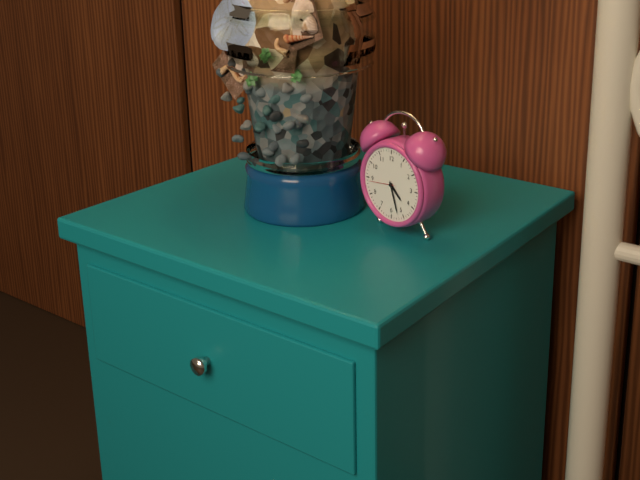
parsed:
4:27
